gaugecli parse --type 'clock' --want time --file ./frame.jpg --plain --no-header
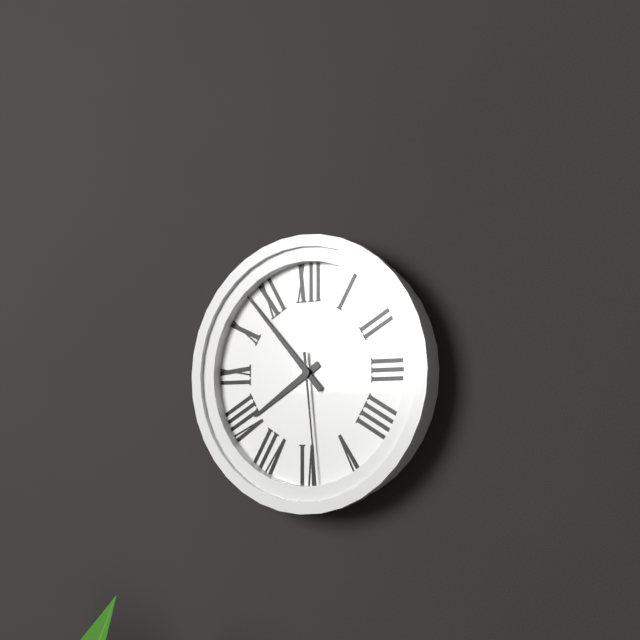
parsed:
7:53:29
